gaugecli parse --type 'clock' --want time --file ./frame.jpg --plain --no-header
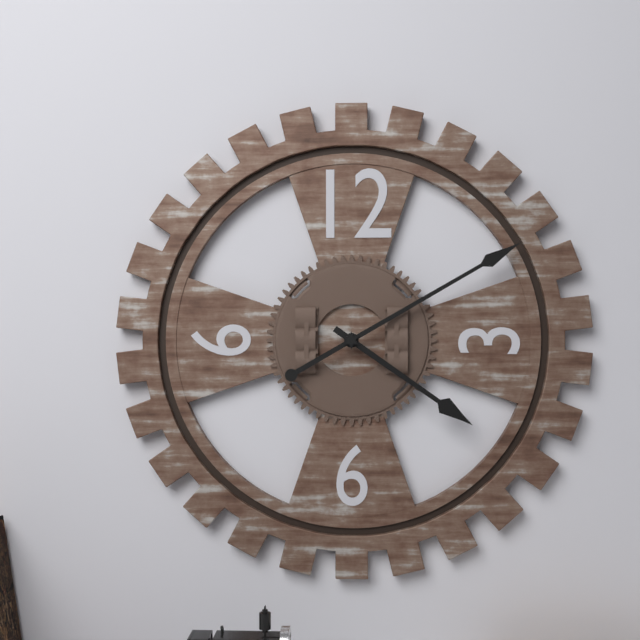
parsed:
4:10
